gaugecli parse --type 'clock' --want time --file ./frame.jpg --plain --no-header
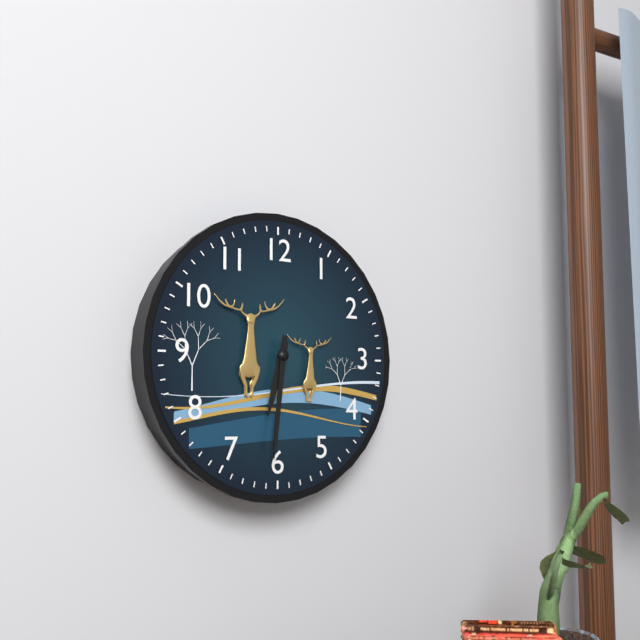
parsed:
6:31
